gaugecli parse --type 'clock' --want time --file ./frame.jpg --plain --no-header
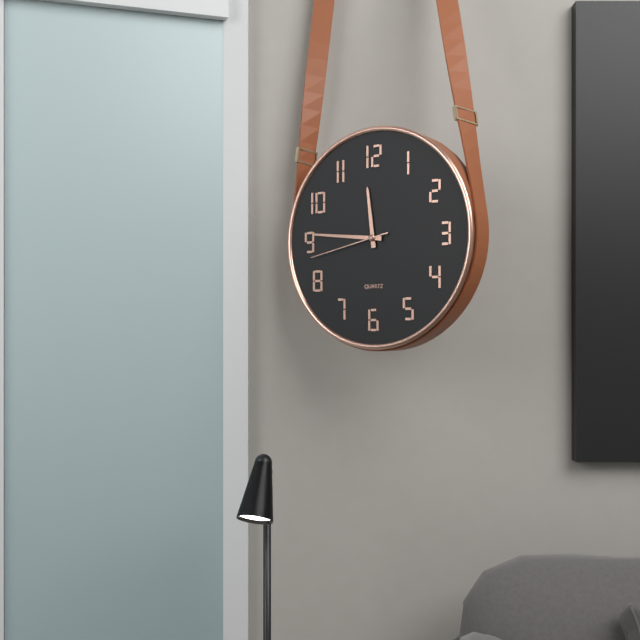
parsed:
11:46:43
